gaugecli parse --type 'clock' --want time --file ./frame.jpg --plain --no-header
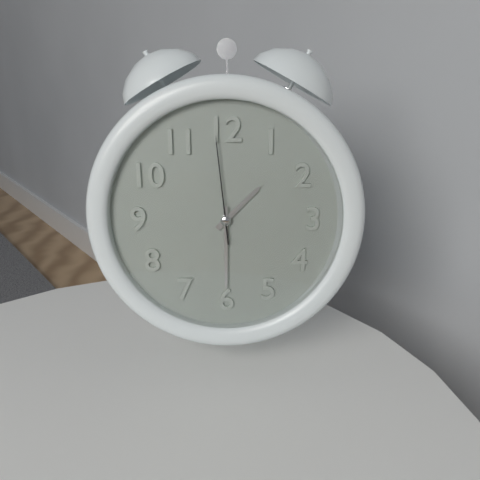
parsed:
1:30:59
